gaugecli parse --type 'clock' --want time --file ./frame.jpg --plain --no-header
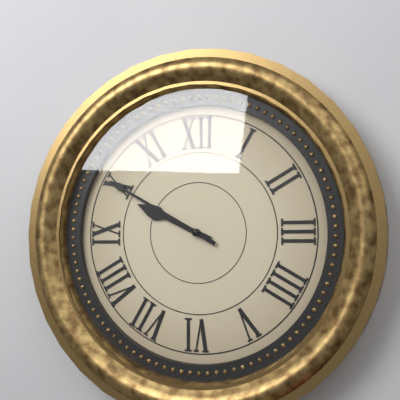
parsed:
9:50
